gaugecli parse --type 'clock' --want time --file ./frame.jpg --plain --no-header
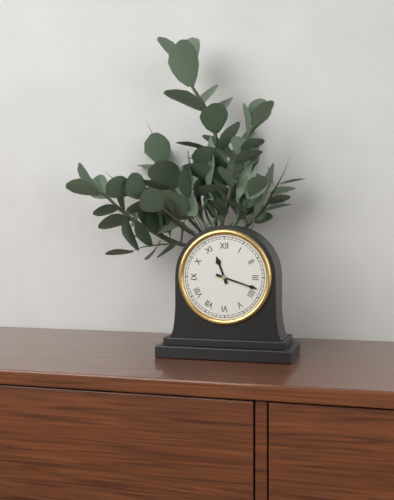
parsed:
11:18
